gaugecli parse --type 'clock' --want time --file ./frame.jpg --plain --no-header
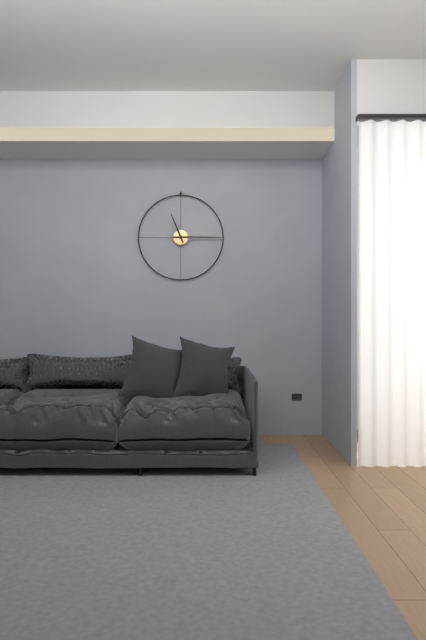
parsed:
11:15
